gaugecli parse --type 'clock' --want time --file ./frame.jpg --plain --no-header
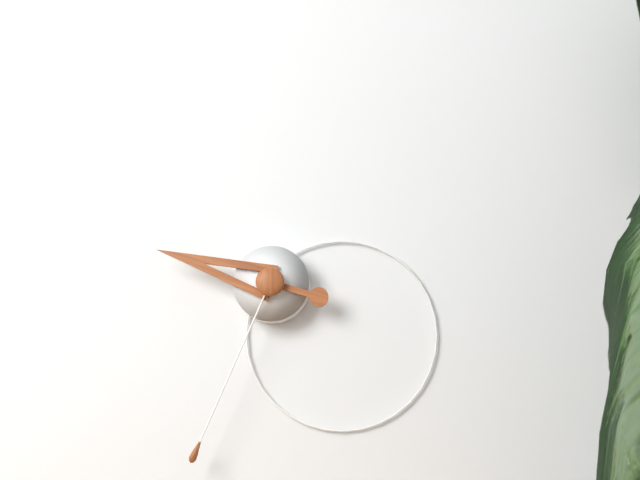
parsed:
9:34
